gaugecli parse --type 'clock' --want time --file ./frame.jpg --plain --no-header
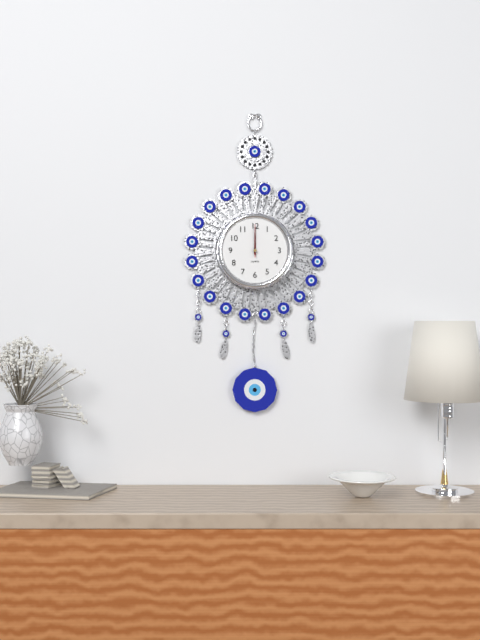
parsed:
12:00
